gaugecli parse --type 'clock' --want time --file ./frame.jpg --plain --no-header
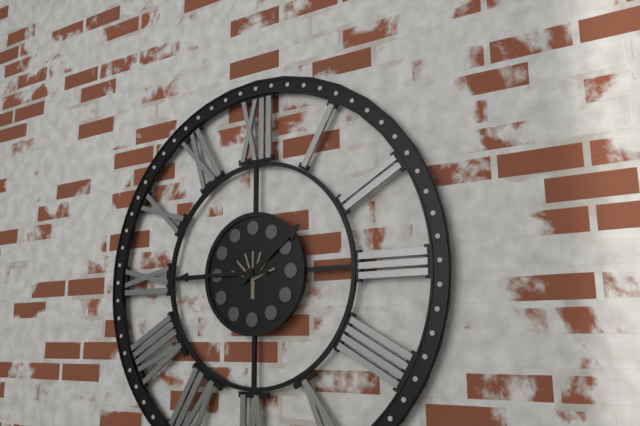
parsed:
1:45
